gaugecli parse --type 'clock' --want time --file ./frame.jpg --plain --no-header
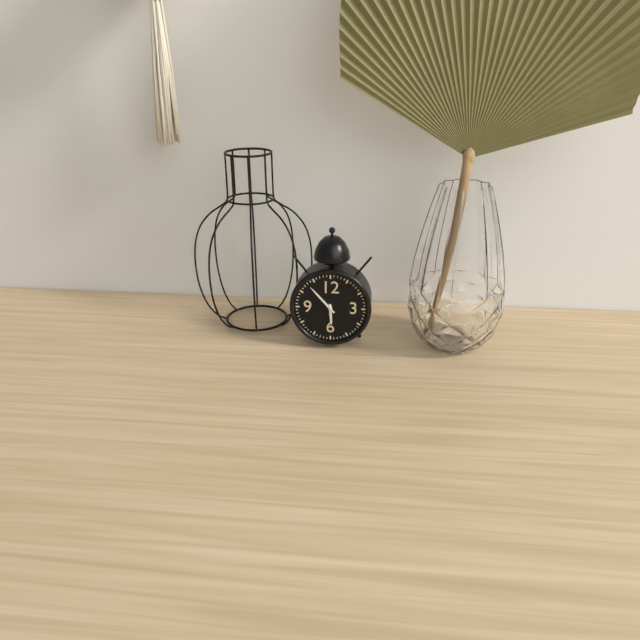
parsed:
5:53
